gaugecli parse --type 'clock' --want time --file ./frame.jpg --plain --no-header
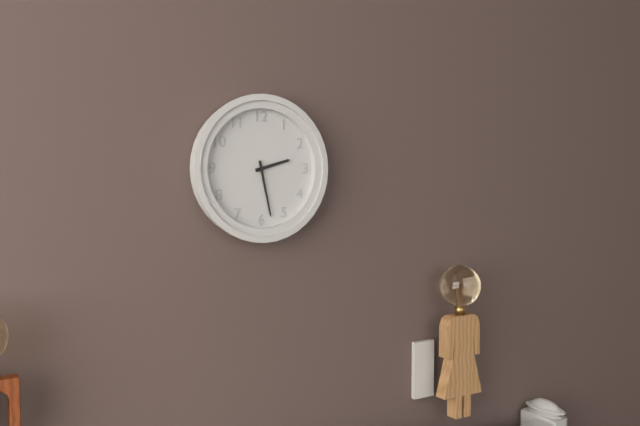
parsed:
2:28
